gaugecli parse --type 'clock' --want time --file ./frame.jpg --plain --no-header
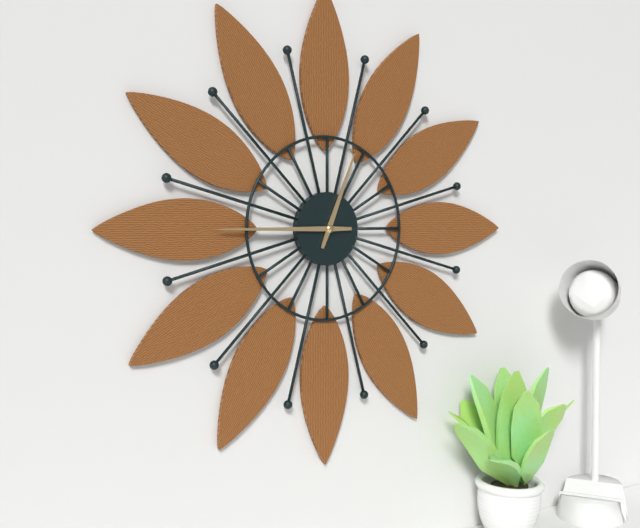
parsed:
12:45
